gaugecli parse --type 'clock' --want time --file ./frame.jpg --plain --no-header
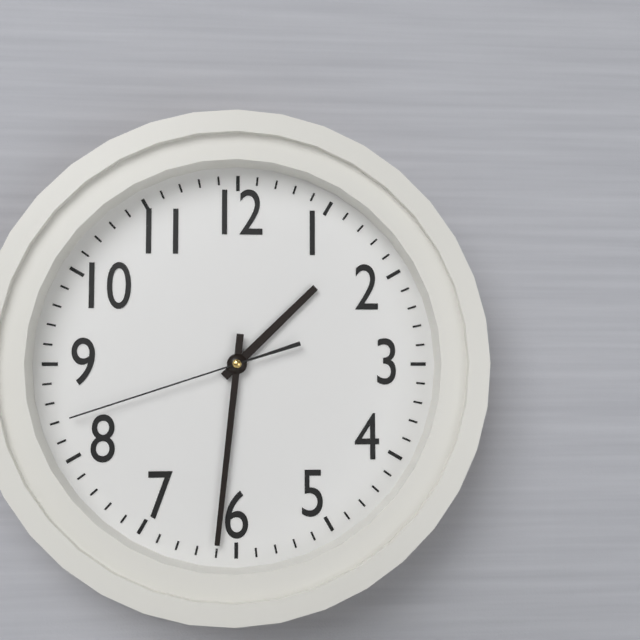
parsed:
1:31:42
